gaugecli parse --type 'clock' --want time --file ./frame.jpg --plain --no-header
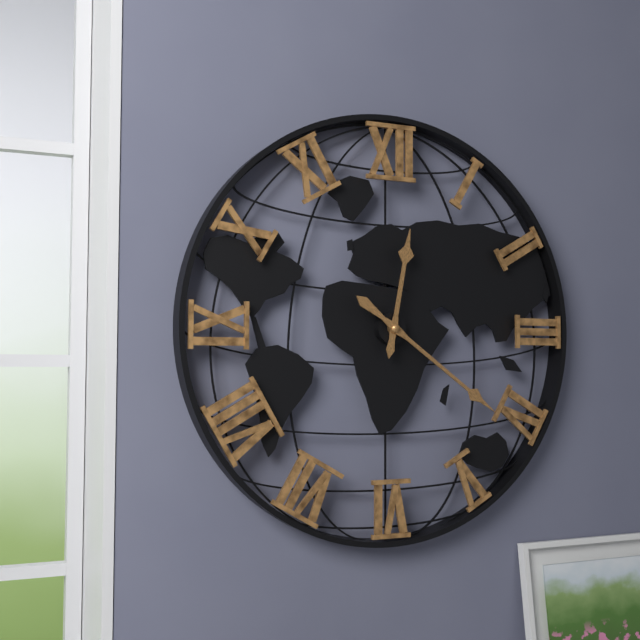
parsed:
12:21
